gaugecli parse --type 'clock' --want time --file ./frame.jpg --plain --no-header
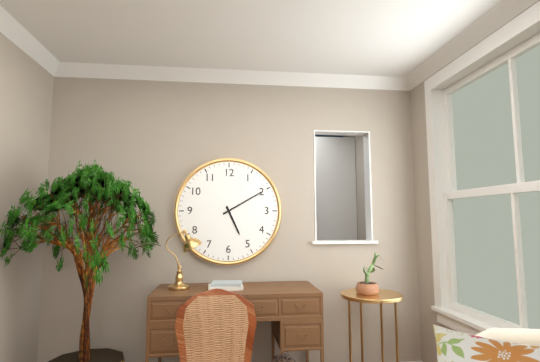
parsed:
5:10
